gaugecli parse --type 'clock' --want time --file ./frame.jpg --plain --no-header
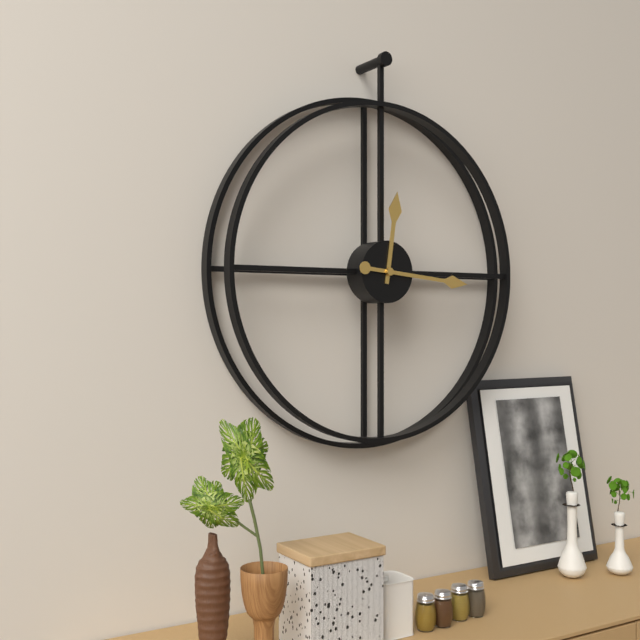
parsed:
12:16
